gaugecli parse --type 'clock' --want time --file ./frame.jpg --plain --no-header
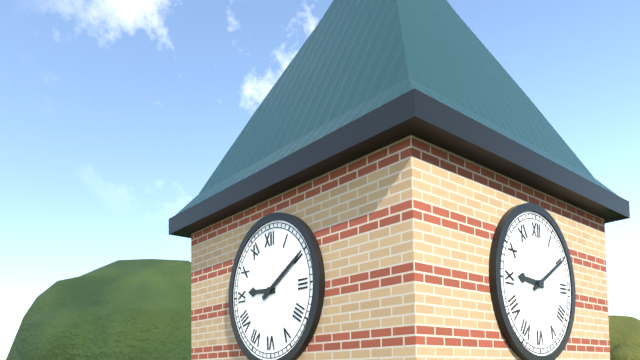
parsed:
9:10
